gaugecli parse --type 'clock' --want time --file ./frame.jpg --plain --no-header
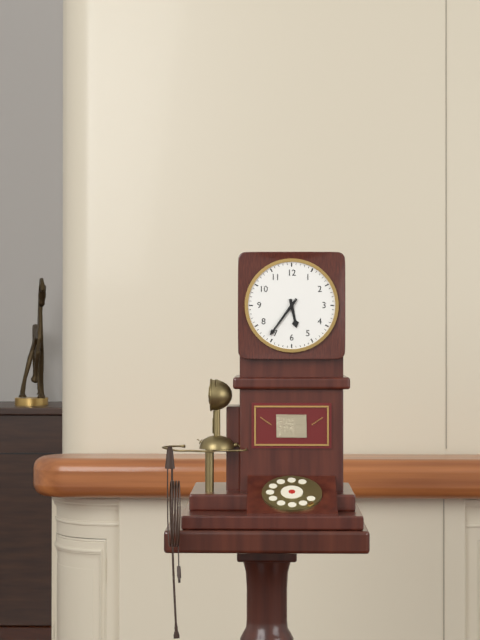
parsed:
5:36
